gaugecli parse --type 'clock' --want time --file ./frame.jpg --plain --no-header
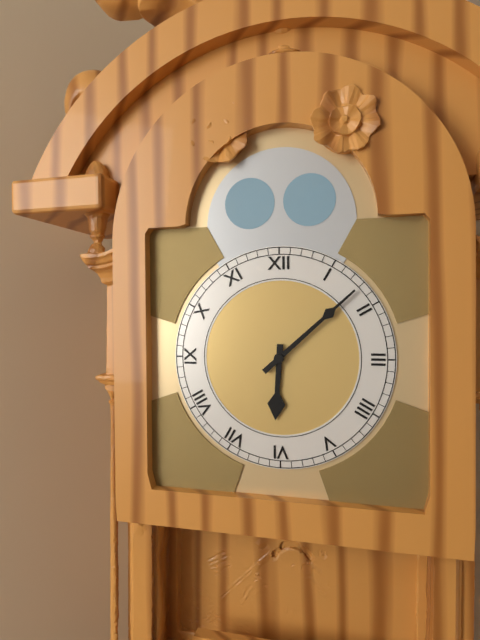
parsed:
6:08
